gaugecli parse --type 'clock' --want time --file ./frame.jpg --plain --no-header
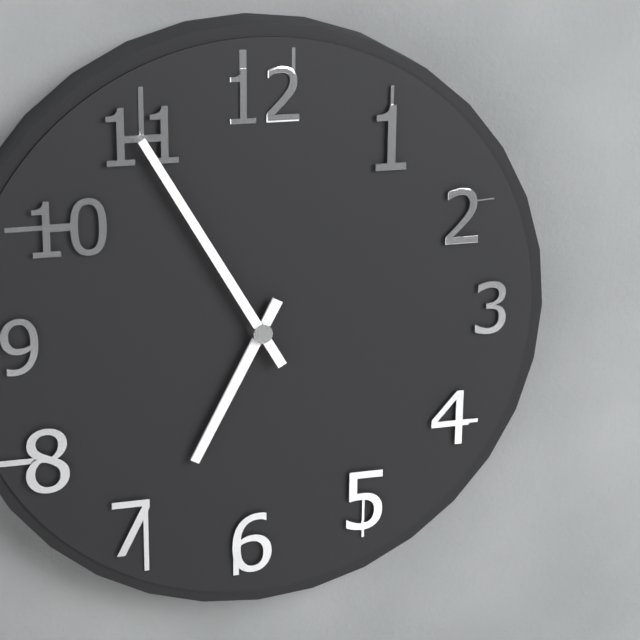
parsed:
6:55
